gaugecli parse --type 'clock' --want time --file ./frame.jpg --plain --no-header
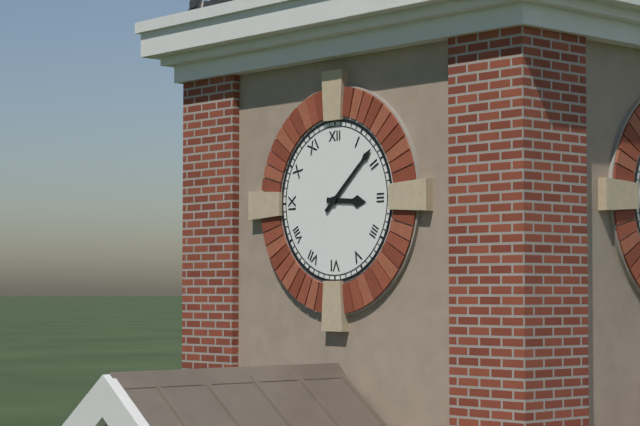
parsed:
3:08
